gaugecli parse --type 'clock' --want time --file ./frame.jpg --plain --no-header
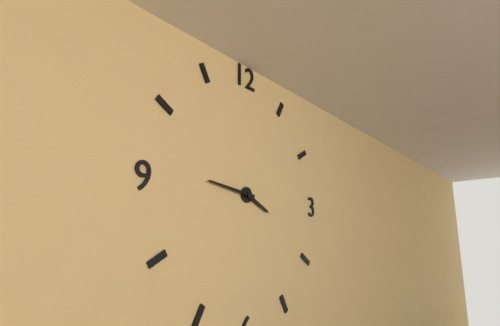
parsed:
3:46
